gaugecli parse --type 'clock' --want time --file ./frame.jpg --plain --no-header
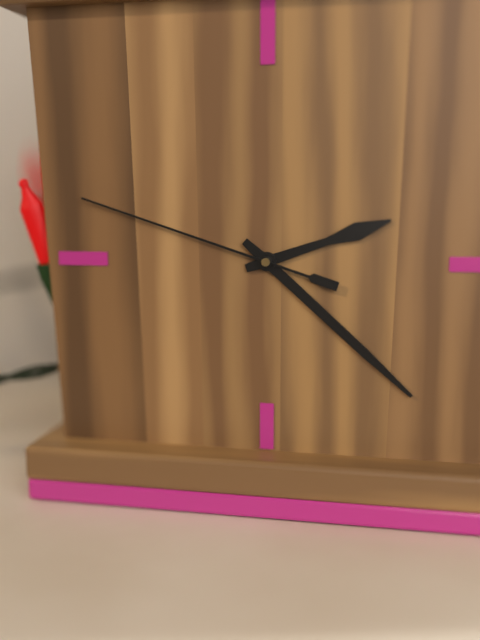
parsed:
2:22:48
